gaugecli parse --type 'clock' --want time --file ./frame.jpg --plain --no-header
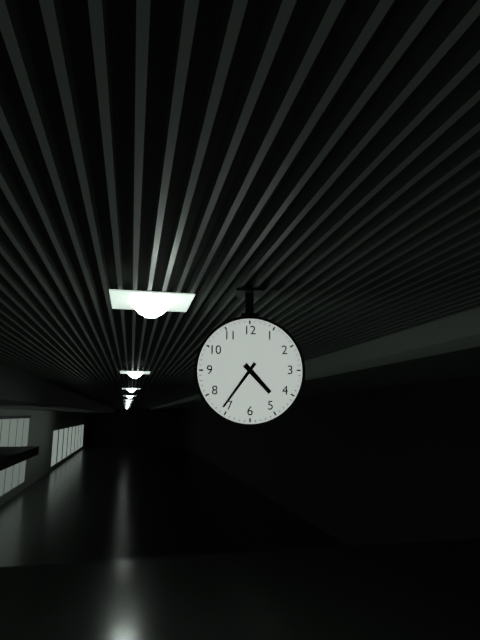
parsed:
4:36
